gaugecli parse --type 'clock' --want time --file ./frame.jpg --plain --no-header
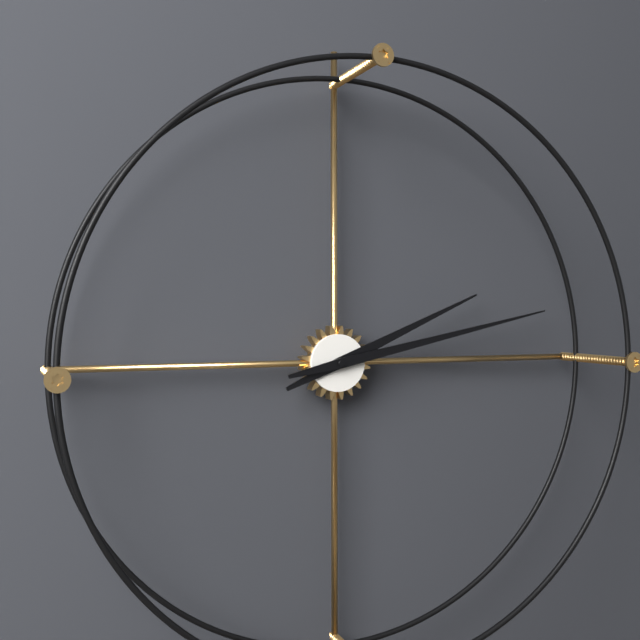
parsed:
2:13
